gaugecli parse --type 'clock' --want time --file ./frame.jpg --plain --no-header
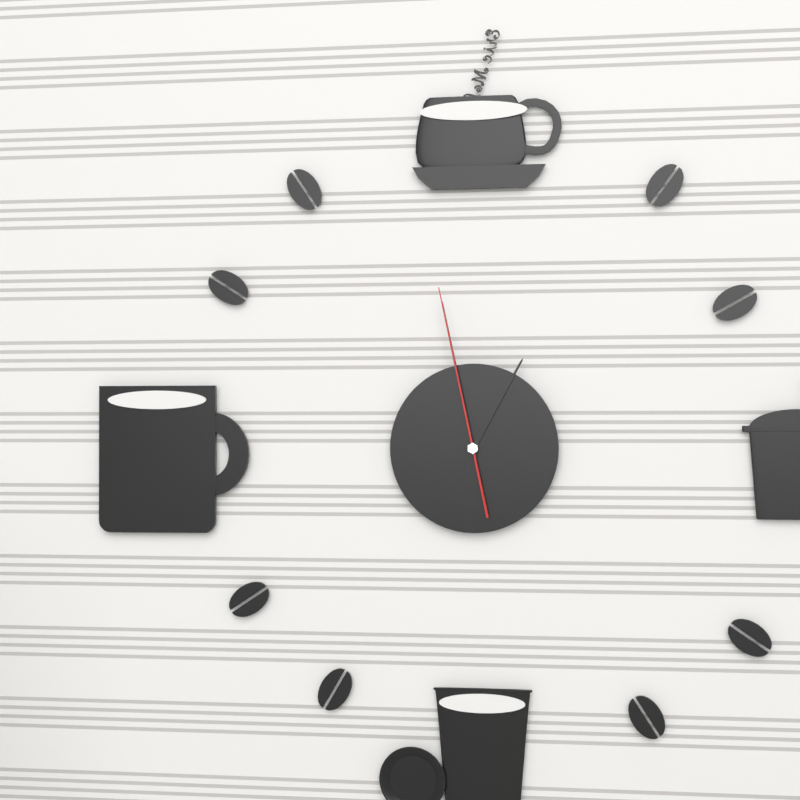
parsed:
12:58:58
